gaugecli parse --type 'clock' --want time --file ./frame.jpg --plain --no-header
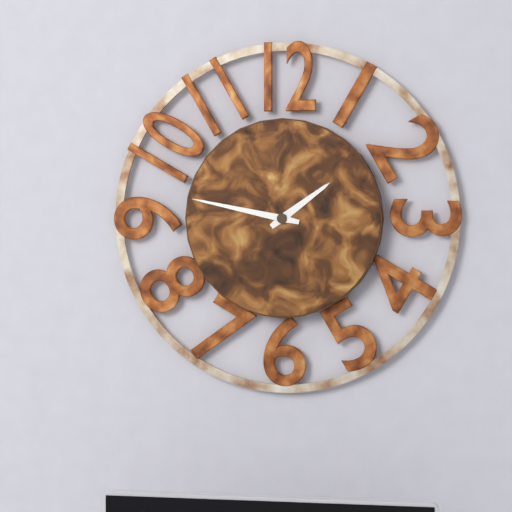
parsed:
1:47
